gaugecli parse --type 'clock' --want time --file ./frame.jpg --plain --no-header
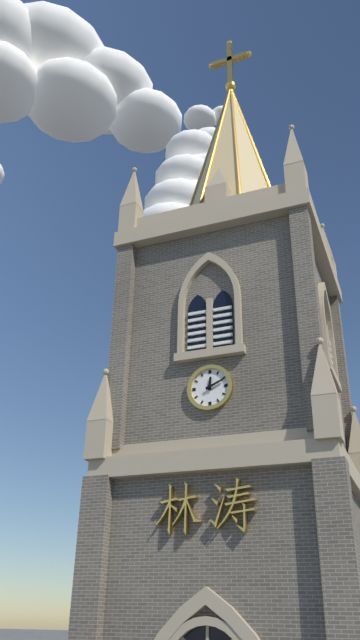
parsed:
12:11
